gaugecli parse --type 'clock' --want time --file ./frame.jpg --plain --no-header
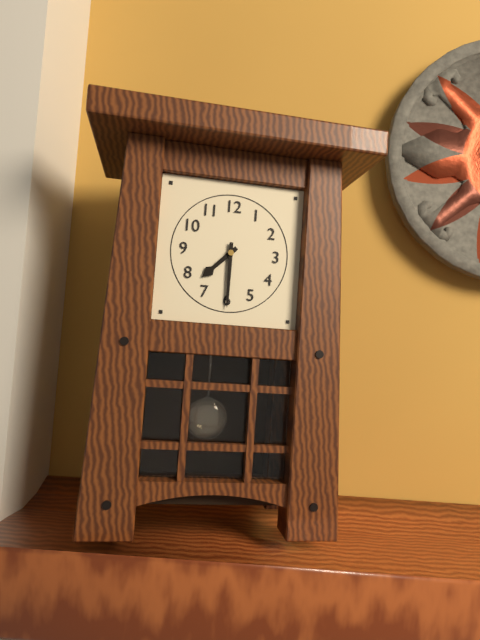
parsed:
7:30
